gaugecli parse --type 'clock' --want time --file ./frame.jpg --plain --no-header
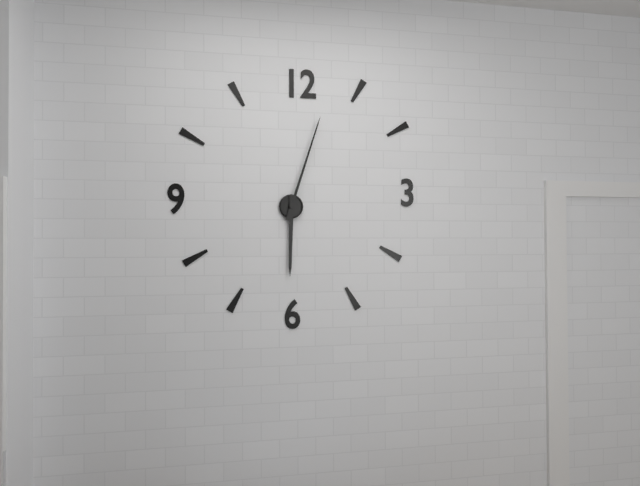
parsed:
6:03
